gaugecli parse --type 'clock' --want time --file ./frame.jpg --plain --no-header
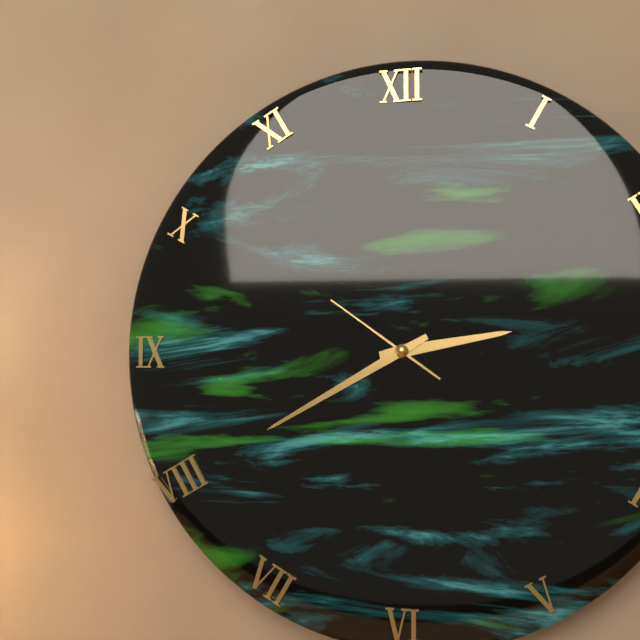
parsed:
2:40:51
